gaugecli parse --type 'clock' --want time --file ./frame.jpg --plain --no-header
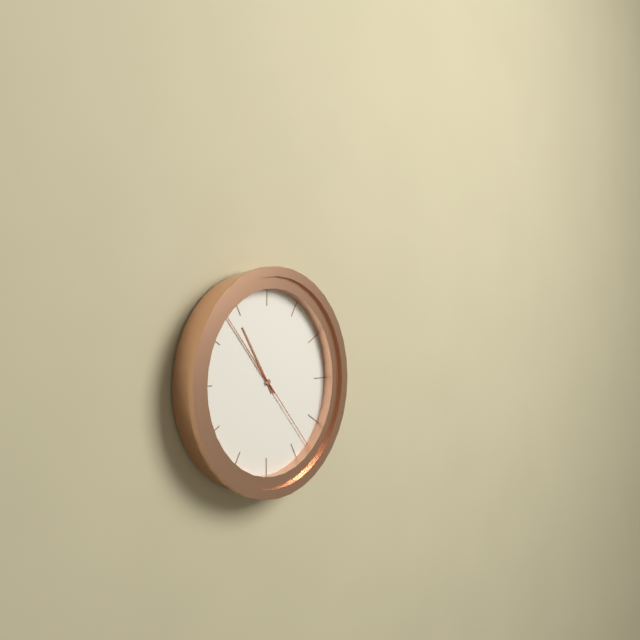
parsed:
10:53:23
